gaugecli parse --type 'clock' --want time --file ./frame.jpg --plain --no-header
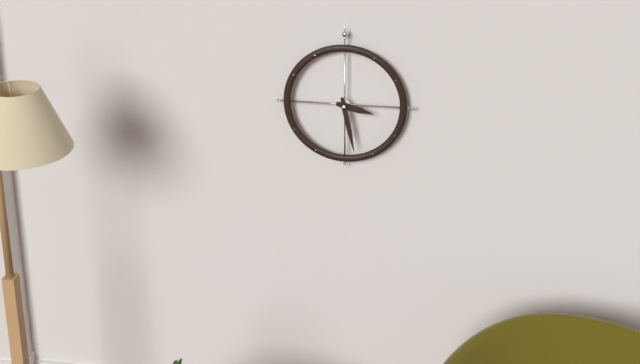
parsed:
3:28
